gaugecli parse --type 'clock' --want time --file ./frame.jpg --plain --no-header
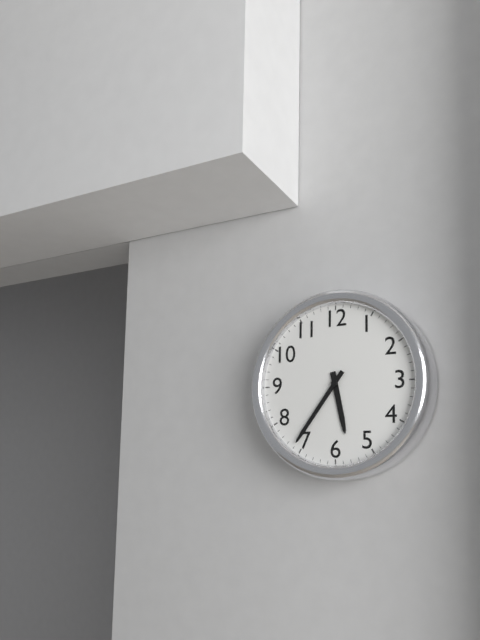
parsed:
5:36
